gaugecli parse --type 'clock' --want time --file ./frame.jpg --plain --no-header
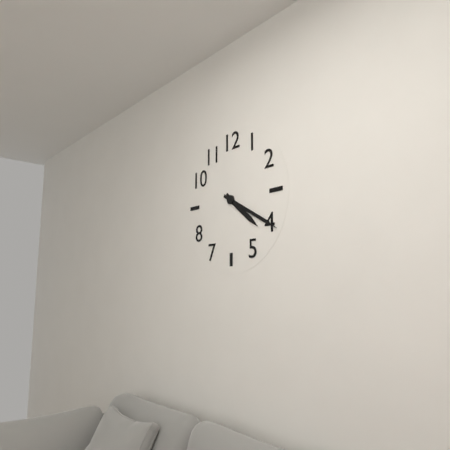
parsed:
4:20
